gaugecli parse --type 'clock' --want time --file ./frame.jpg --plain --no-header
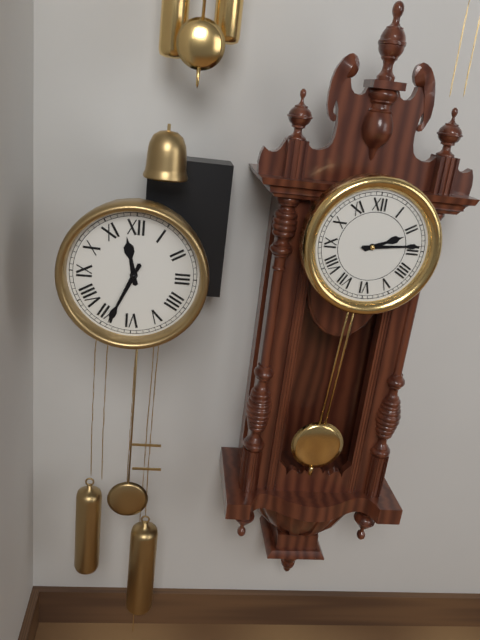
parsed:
11:34
